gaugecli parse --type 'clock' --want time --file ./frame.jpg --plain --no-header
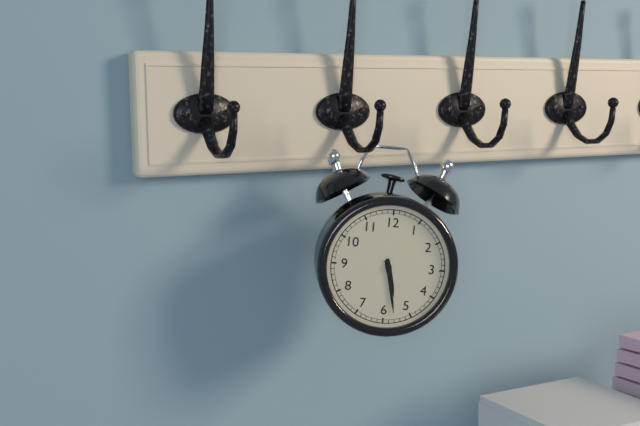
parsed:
5:28
